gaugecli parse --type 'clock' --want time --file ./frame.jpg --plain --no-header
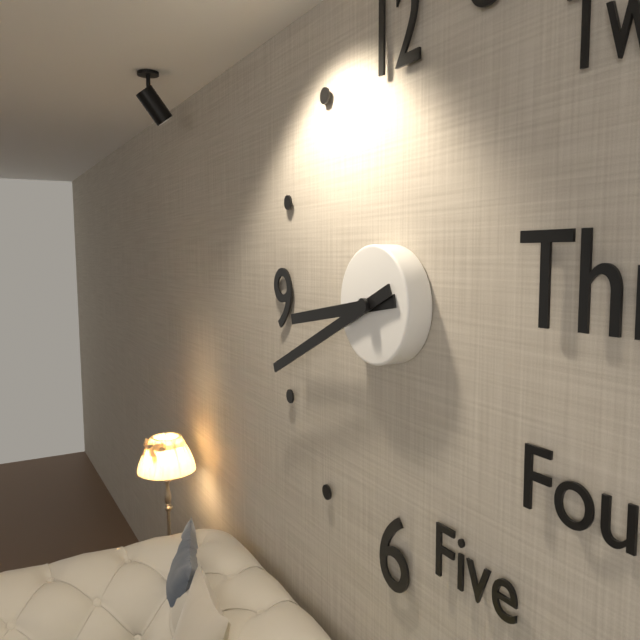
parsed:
8:41
